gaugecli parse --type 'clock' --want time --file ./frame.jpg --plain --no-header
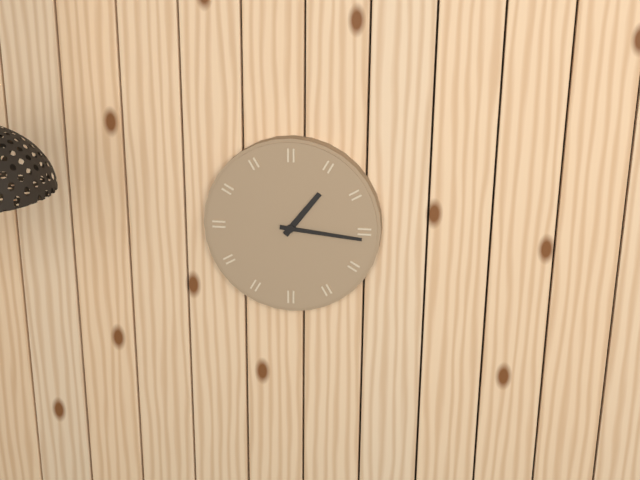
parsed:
1:16
